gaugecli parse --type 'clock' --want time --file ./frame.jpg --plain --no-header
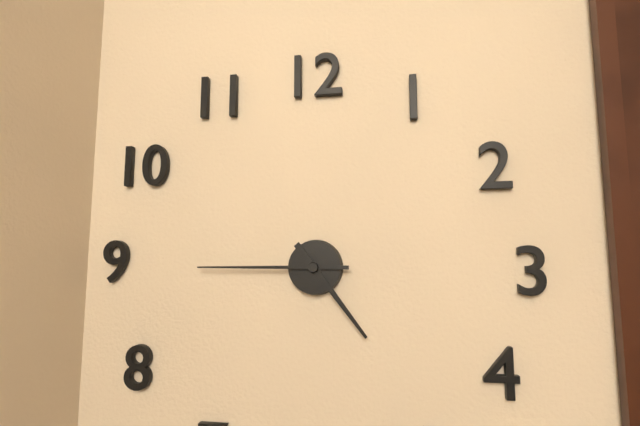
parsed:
4:45
